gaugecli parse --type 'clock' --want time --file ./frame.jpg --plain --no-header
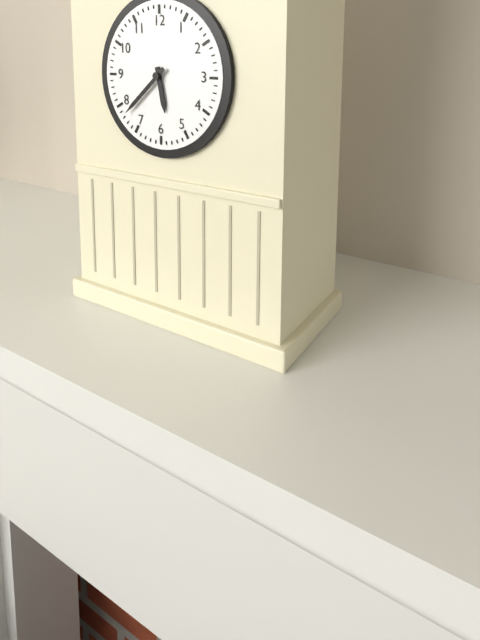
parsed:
5:38
